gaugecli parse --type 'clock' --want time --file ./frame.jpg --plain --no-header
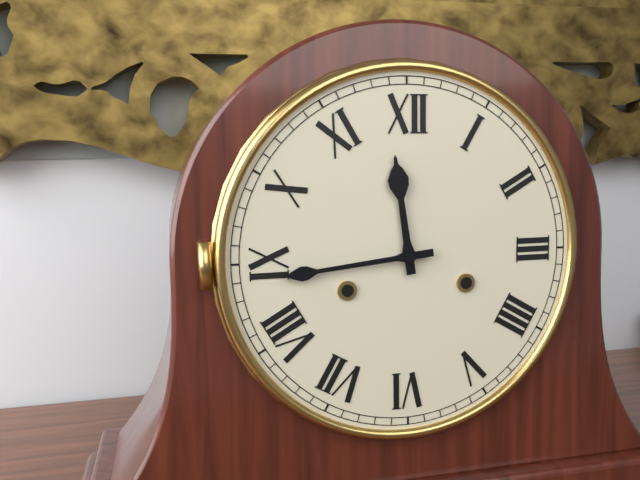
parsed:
11:44
